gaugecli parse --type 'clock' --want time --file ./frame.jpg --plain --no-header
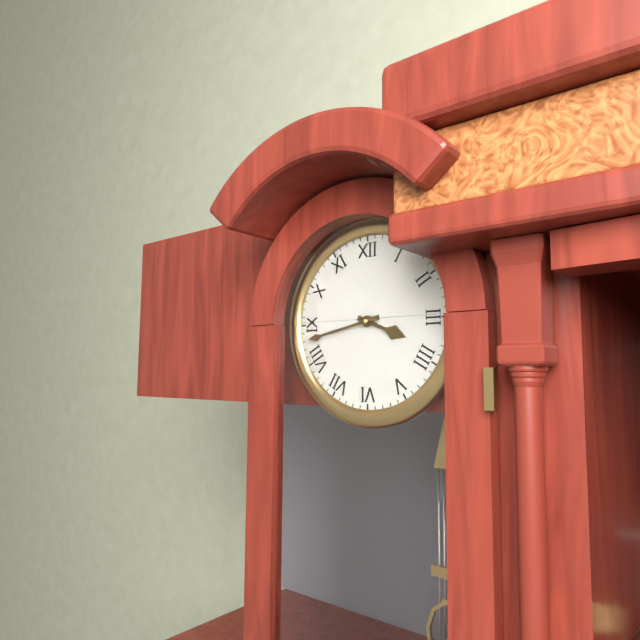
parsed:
3:43
